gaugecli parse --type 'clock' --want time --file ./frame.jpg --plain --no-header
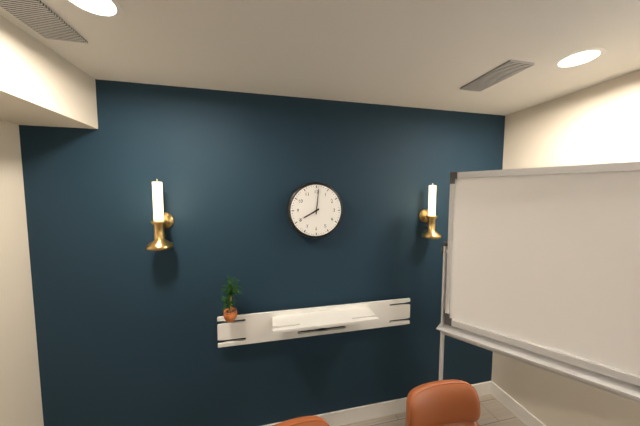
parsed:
8:01
